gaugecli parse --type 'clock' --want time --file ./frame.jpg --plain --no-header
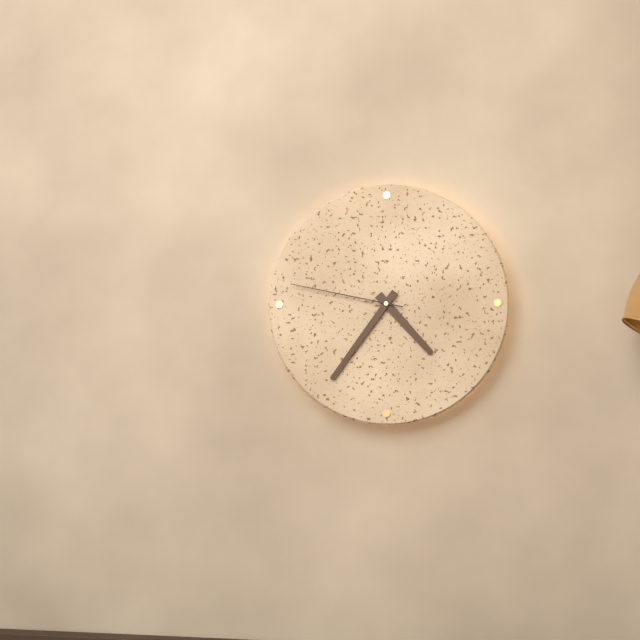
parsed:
4:36:47
